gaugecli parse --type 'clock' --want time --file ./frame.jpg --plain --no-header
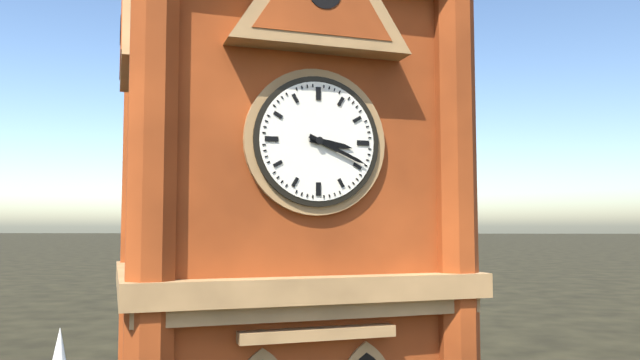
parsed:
3:19
